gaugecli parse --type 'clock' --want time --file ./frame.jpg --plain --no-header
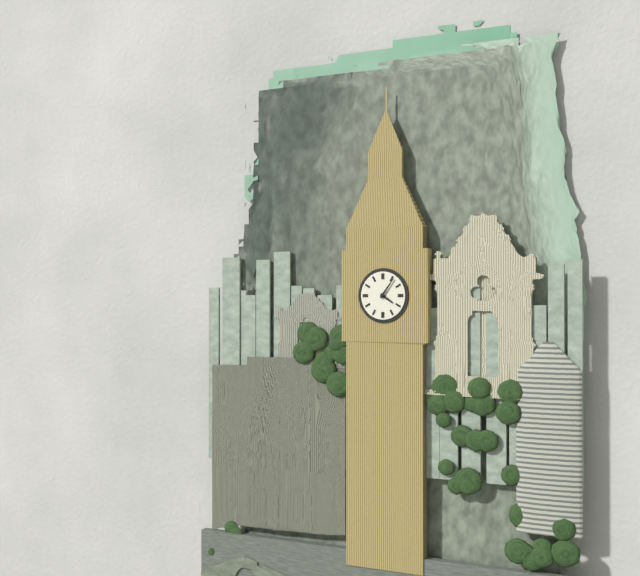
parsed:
4:06
